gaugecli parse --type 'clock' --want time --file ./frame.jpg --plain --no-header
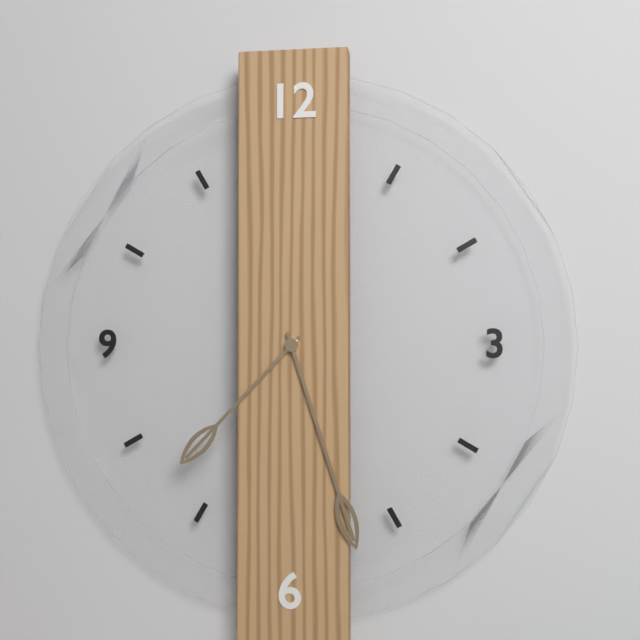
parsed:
7:27
